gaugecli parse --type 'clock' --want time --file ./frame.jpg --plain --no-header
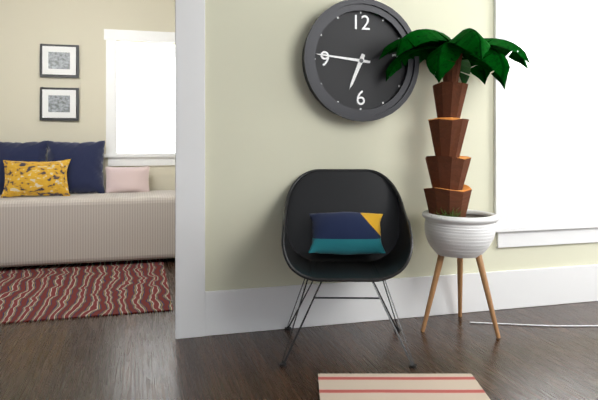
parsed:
6:46
